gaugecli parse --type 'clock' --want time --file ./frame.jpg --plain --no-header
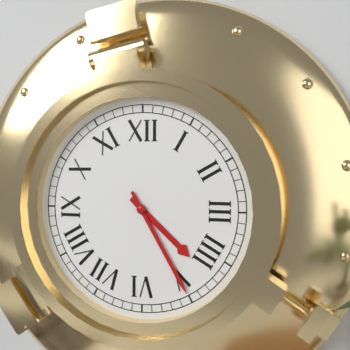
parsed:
4:25
